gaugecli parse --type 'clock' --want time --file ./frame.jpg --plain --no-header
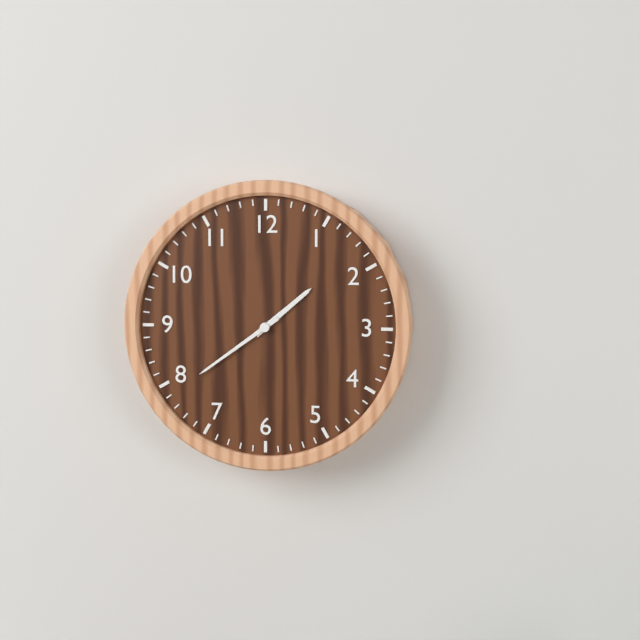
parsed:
1:39
